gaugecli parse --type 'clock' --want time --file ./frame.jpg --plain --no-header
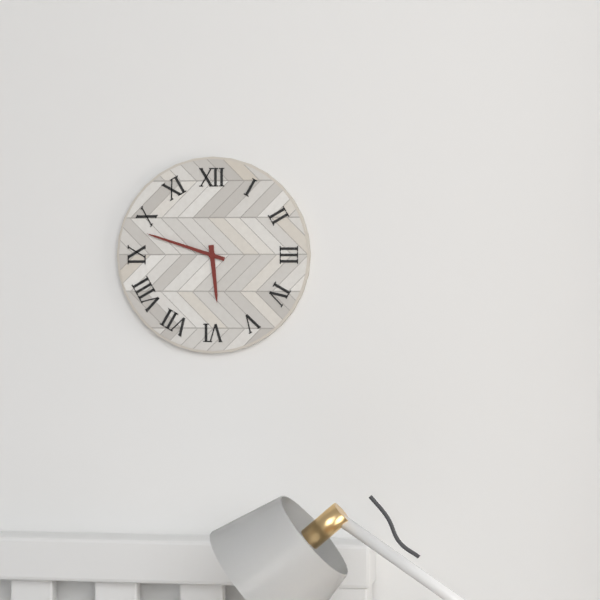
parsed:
5:48
